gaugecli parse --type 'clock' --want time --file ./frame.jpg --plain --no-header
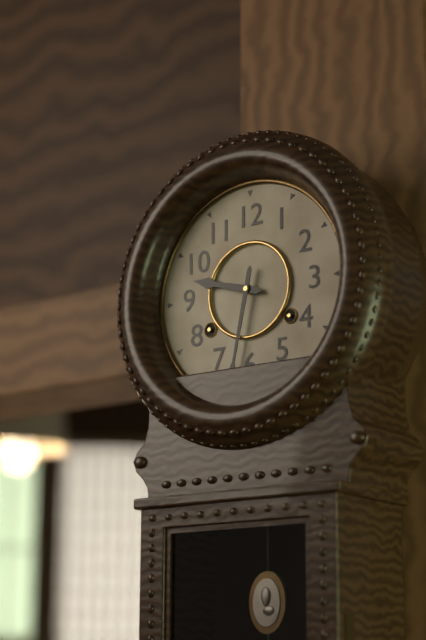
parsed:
9:32
